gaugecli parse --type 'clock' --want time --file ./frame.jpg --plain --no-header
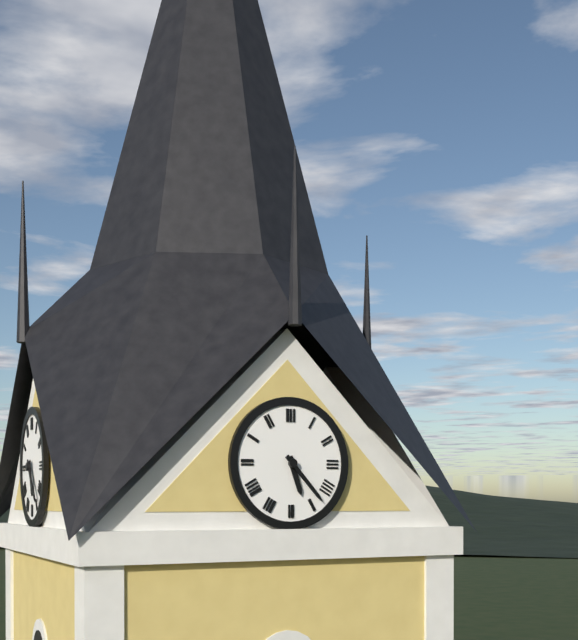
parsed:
5:23
